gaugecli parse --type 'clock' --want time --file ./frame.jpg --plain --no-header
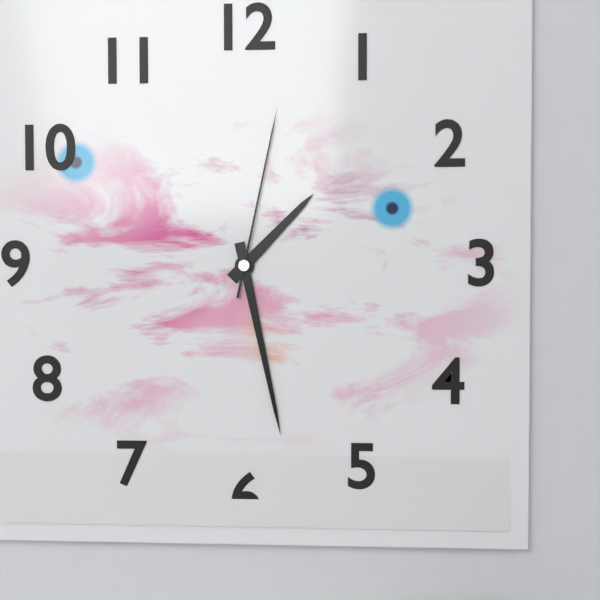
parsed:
1:28:02
